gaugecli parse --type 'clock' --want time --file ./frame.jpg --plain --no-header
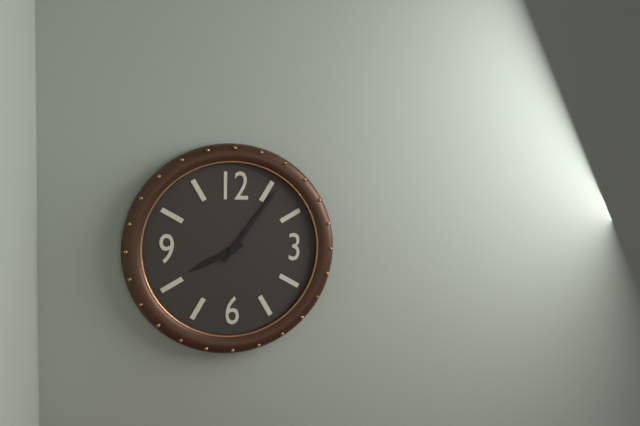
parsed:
8:06
